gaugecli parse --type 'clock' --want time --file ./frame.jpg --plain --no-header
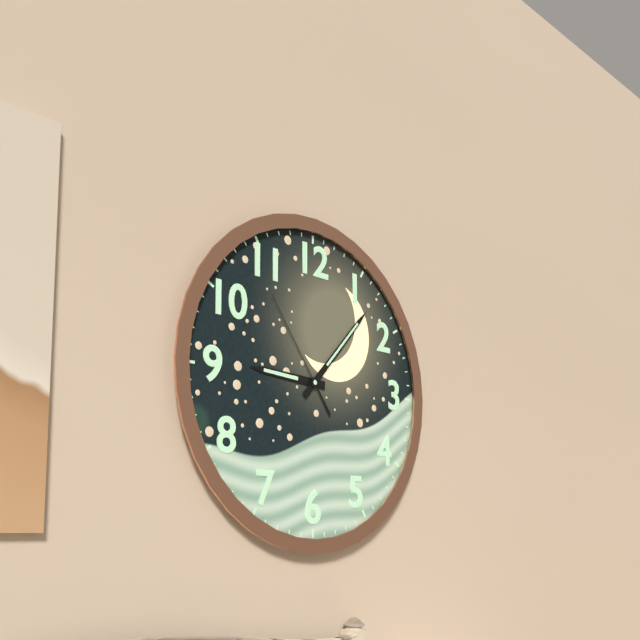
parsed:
9:07:54
